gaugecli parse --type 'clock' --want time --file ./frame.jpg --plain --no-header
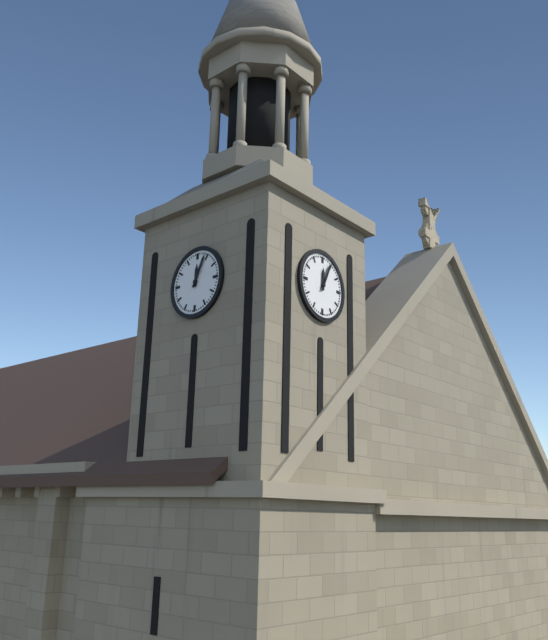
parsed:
12:04
